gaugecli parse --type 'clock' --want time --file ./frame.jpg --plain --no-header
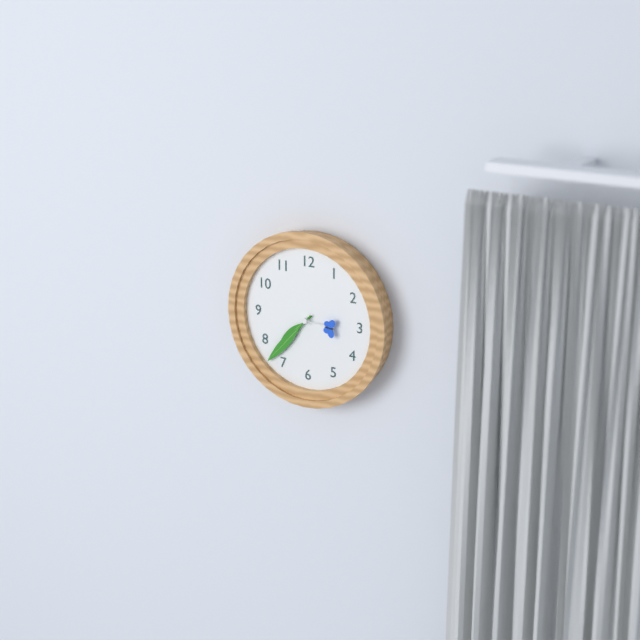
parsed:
7:37
